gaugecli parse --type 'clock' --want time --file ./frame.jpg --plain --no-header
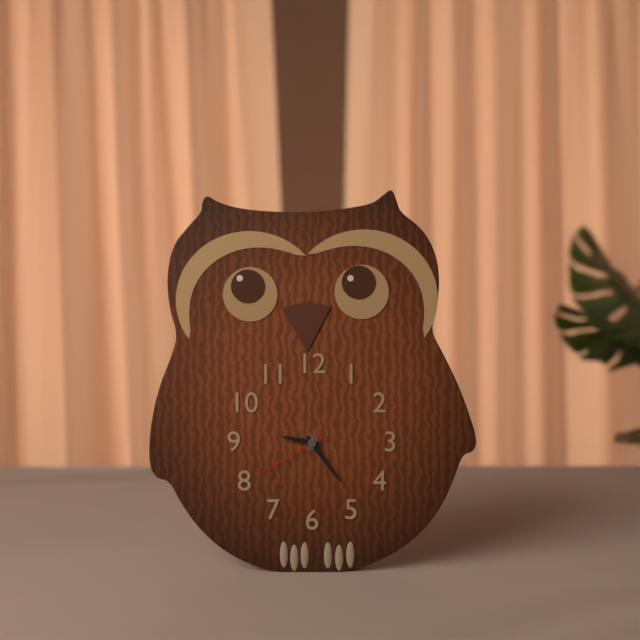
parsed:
9:24:40
